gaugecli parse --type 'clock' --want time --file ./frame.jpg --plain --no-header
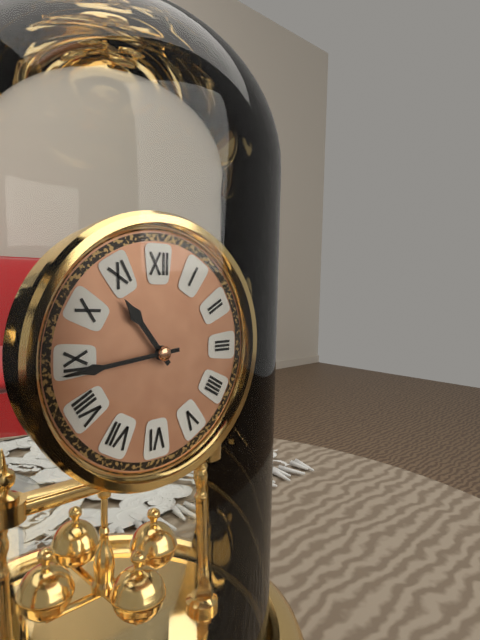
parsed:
10:44
